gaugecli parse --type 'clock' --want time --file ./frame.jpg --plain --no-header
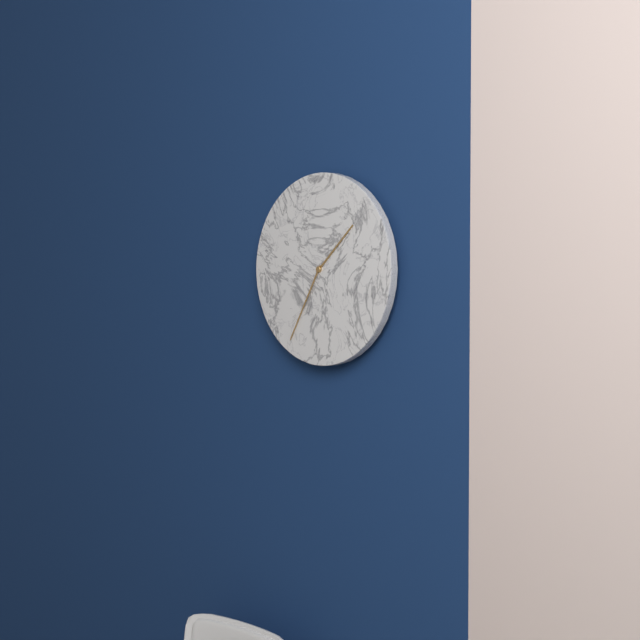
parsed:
1:35
